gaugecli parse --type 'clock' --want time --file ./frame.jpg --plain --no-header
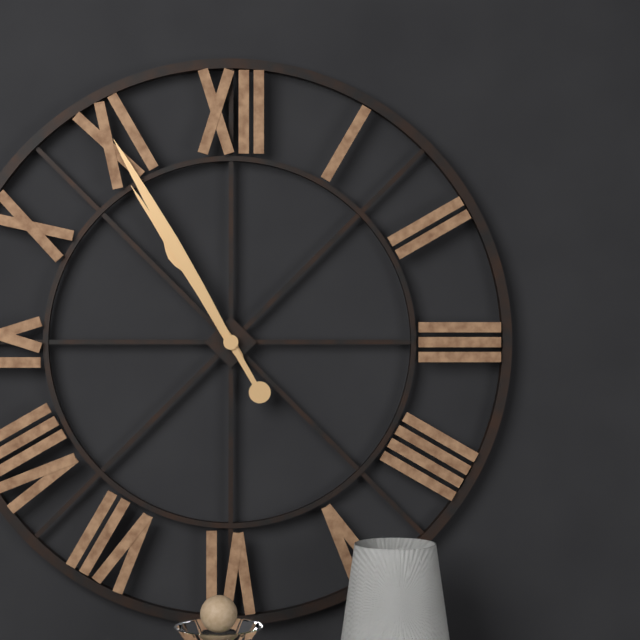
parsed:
10:55
